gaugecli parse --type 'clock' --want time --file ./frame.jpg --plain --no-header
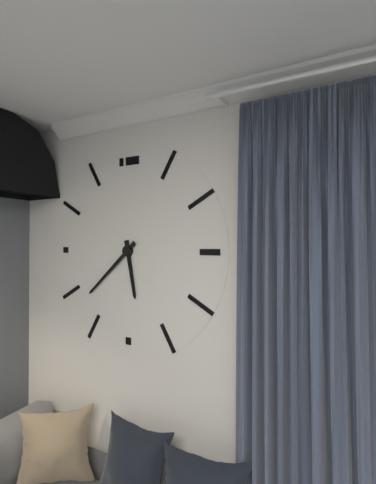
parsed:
5:38
